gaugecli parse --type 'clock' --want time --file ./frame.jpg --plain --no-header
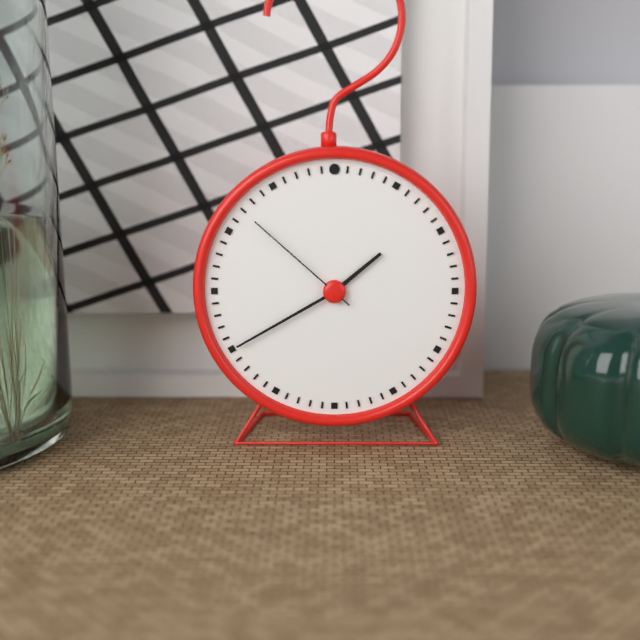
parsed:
1:40:52
